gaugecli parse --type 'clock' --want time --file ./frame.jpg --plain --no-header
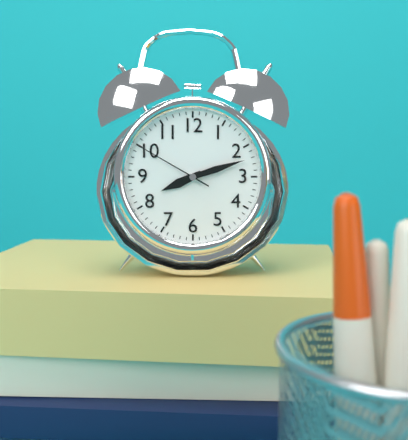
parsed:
8:12:50
